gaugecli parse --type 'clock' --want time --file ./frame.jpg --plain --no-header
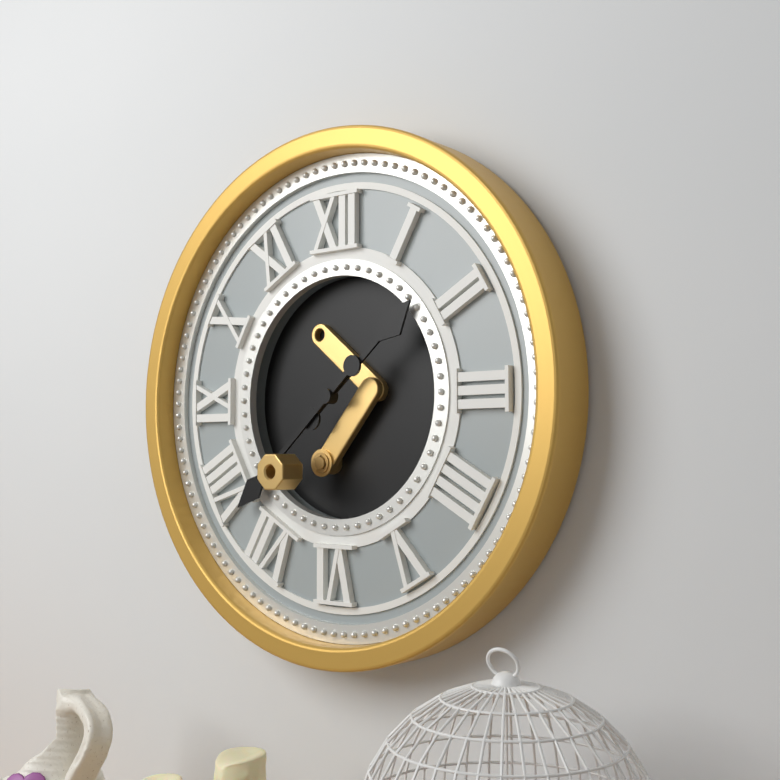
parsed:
1:38
